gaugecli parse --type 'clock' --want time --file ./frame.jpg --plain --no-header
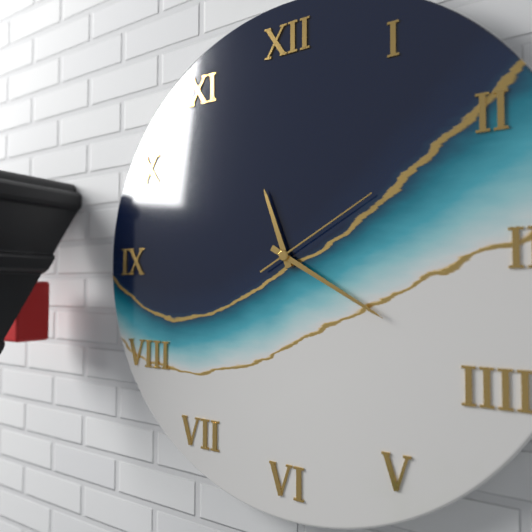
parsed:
11:20:10
